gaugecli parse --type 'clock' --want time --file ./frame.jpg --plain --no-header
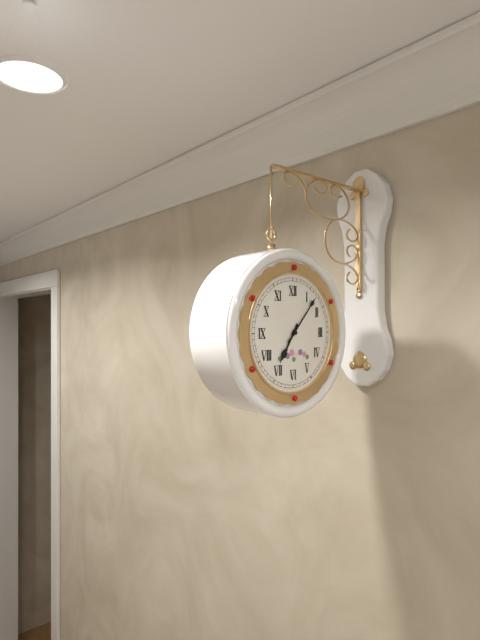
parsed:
7:07
